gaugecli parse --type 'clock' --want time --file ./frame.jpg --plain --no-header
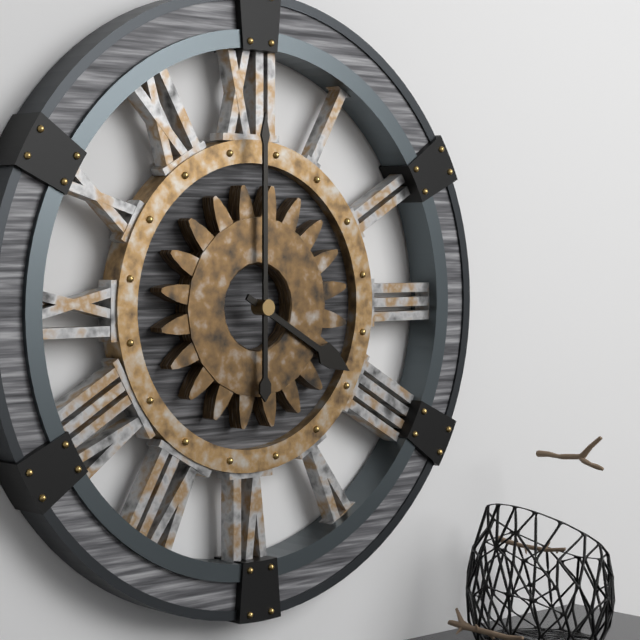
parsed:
4:00
